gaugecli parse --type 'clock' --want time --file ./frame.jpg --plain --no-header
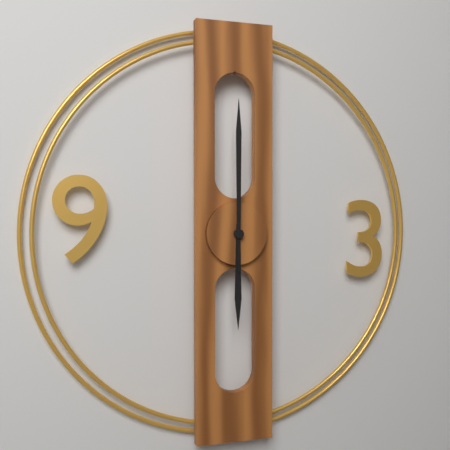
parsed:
6:00
